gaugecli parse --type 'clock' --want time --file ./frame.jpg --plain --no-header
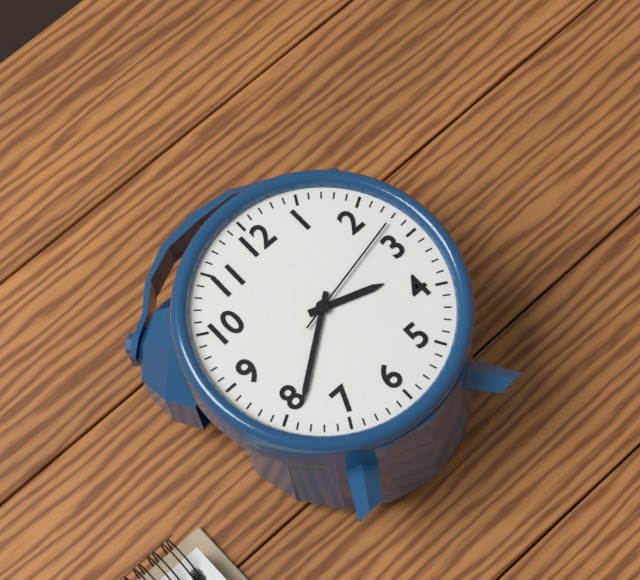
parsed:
3:39:13
